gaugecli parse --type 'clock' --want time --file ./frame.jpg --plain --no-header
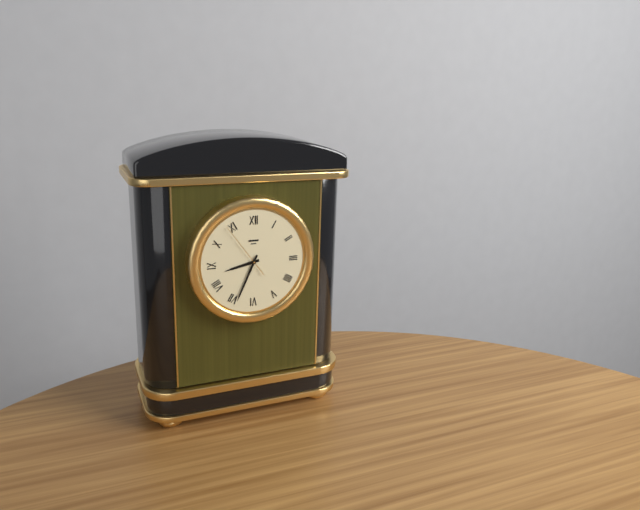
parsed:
8:34:54
